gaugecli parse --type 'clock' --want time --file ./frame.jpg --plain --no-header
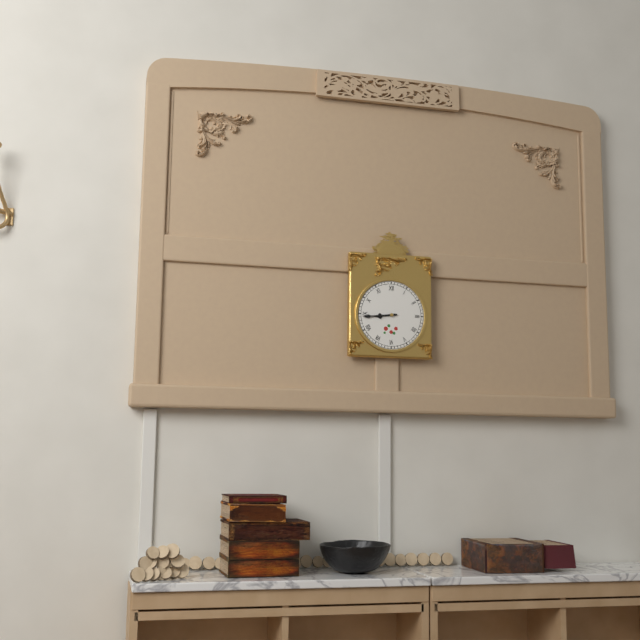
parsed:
8:44
